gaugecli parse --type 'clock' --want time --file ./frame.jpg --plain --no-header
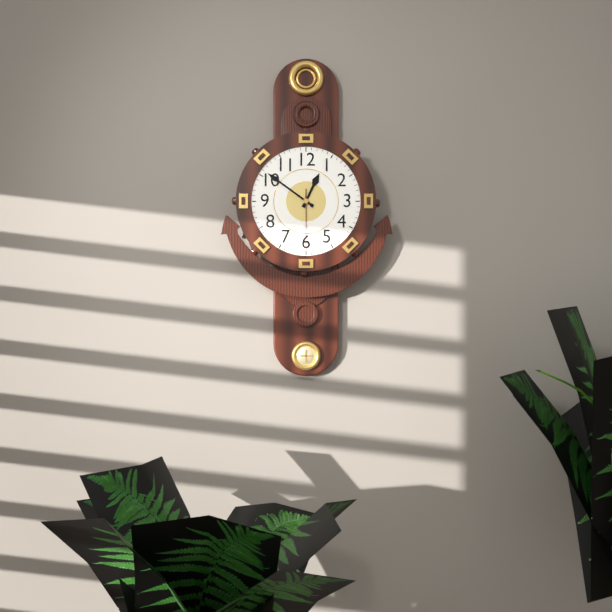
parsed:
12:51:30
